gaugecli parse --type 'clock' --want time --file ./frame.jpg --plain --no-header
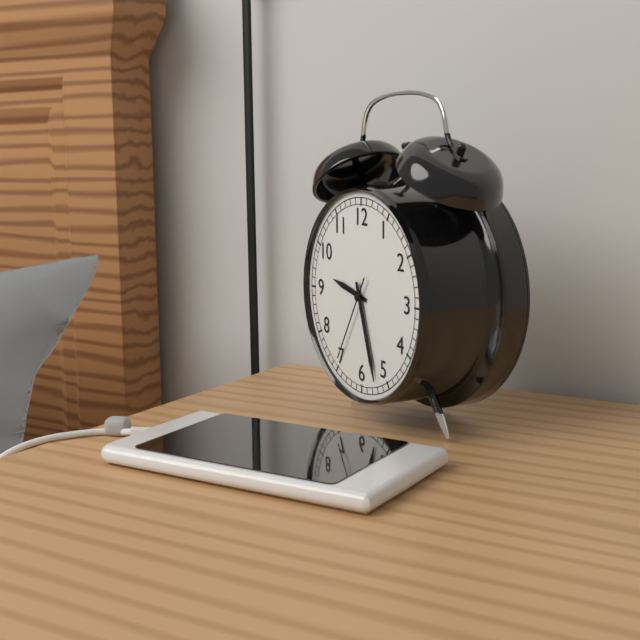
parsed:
9:27:35
